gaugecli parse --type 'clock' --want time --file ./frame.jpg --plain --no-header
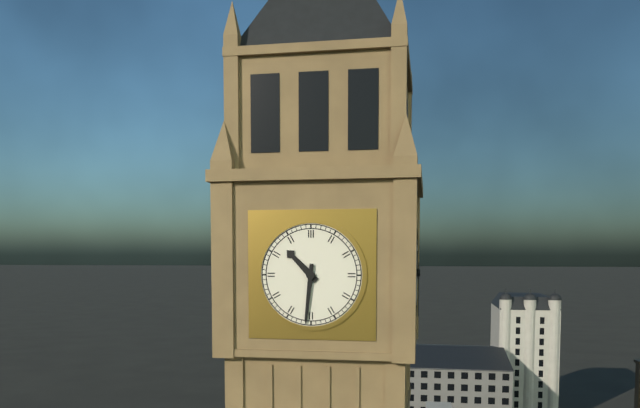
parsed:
10:31
